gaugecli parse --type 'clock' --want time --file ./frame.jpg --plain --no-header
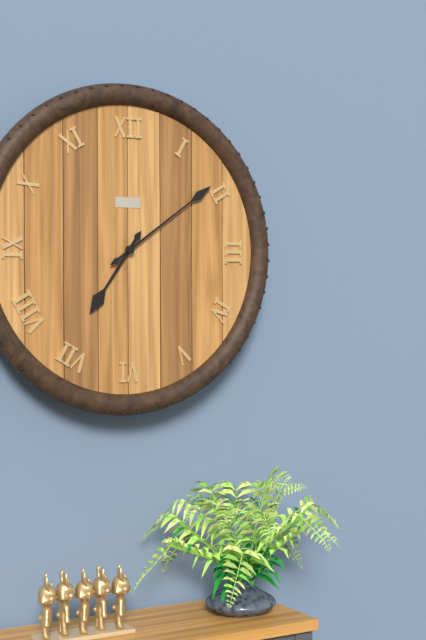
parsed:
7:09
